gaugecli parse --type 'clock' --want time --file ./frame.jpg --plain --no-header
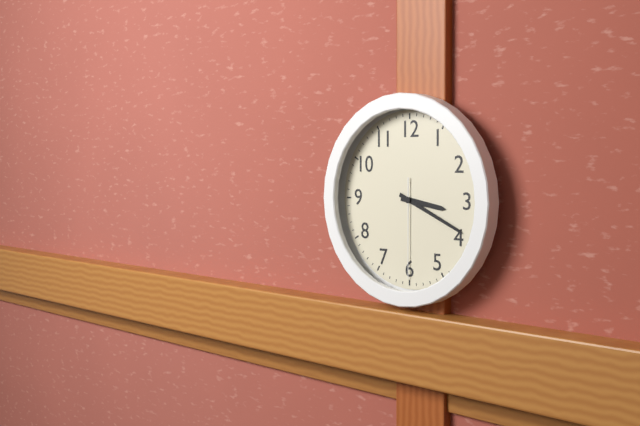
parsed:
3:19:30
